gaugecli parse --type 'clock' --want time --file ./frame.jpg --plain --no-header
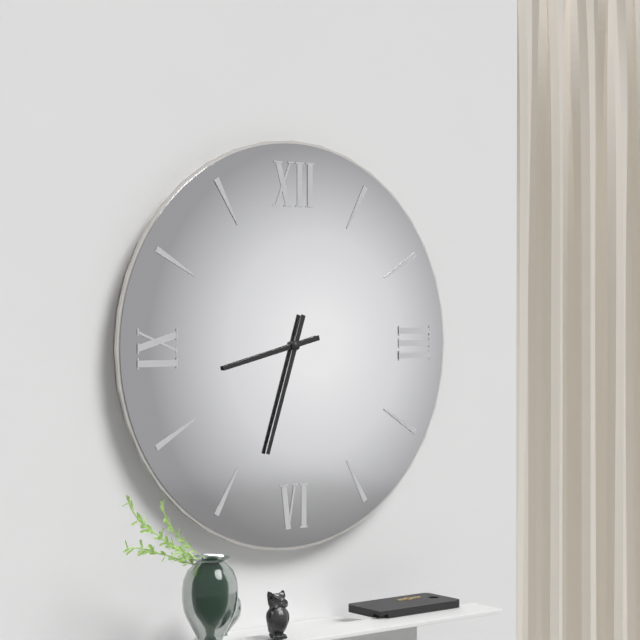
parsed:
8:33
